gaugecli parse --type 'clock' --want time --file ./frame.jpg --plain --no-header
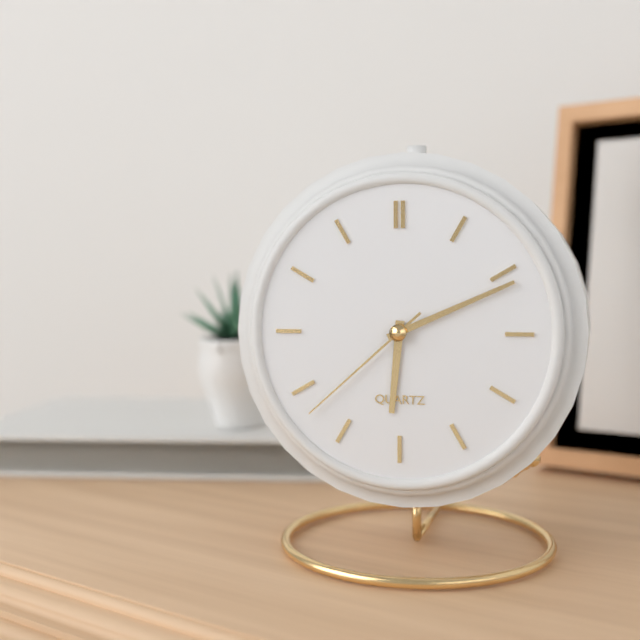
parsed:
6:11:38
